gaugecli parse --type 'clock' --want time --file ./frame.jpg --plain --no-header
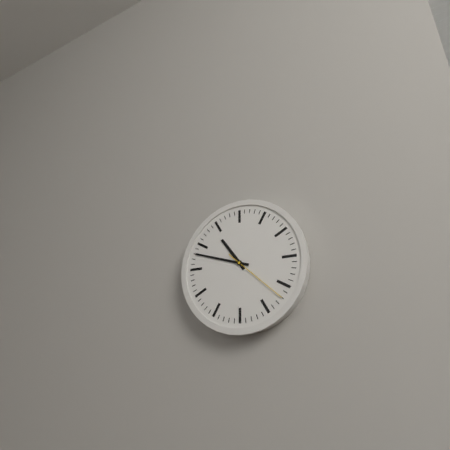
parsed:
10:48:22
